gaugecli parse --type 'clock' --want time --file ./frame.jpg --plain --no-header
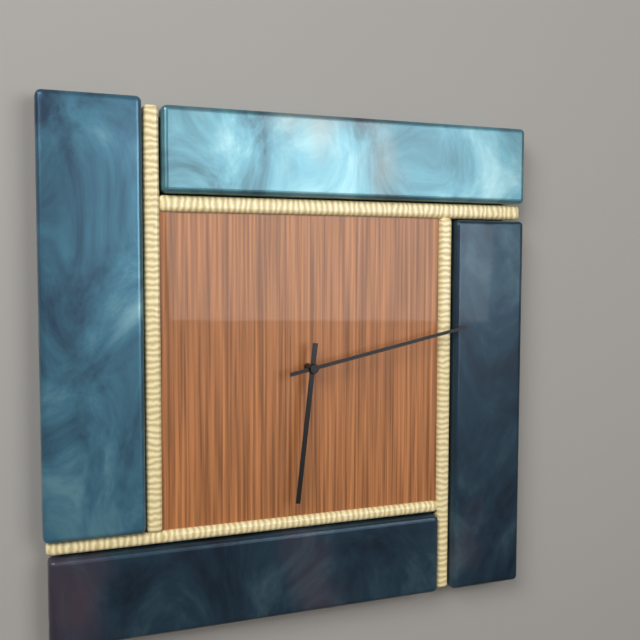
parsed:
6:13
